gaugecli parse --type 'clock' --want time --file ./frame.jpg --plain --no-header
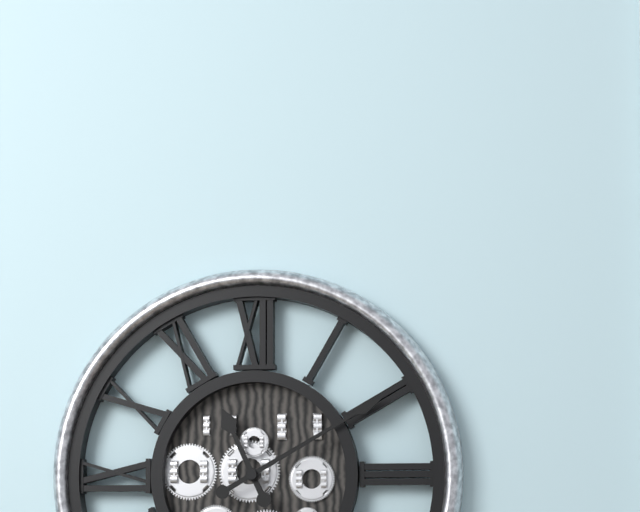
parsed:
11:10
